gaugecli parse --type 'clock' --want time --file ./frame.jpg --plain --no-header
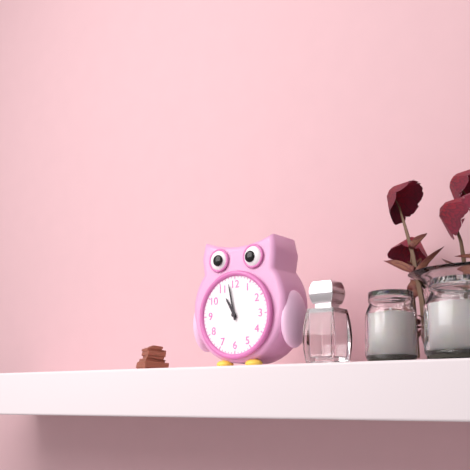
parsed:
10:58
